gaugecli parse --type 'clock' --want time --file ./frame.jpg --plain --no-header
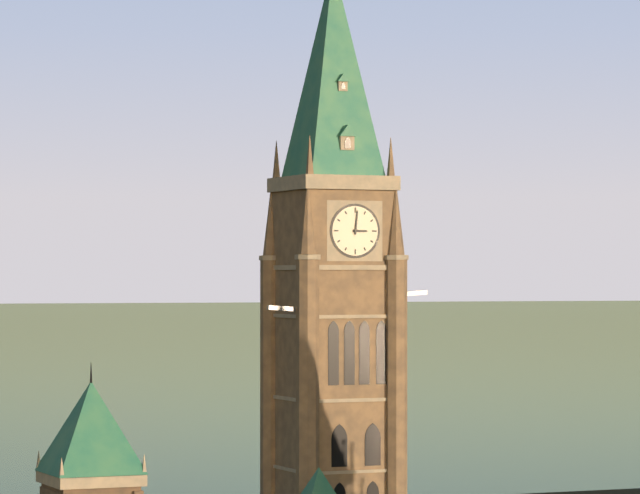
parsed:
3:01
